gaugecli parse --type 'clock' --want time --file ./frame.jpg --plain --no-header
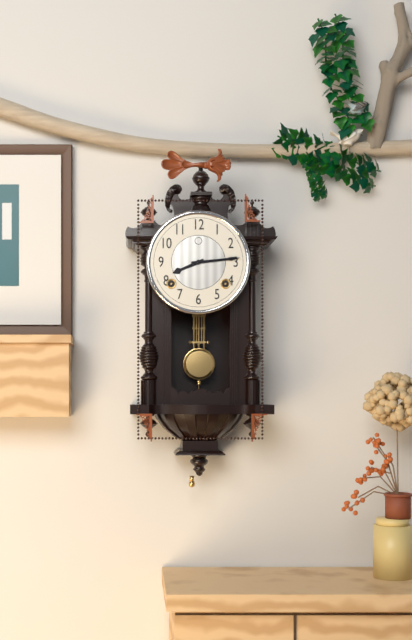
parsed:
8:14
